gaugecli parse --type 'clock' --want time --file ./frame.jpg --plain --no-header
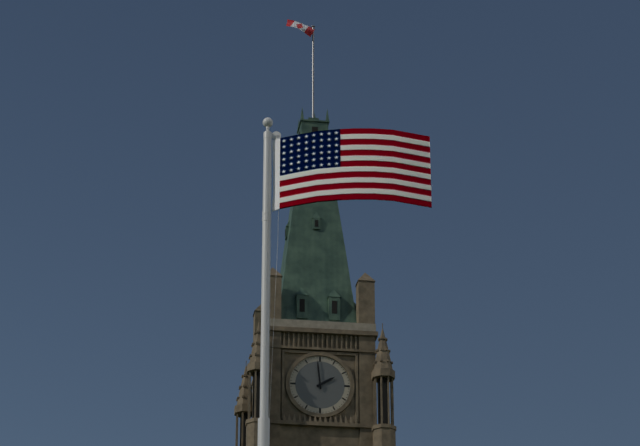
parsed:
1:59
